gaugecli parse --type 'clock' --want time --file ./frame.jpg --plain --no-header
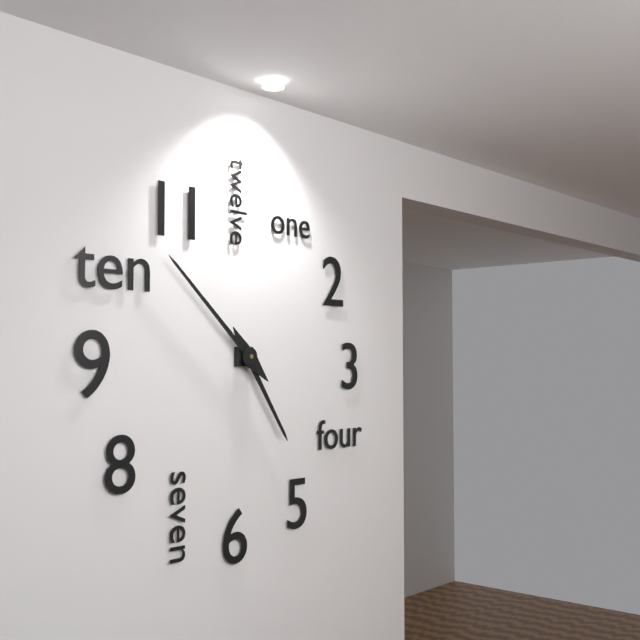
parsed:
4:52
